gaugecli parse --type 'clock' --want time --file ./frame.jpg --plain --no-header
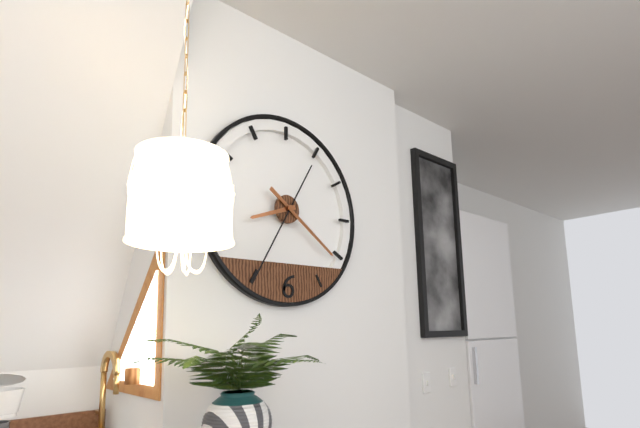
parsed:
8:21:35
